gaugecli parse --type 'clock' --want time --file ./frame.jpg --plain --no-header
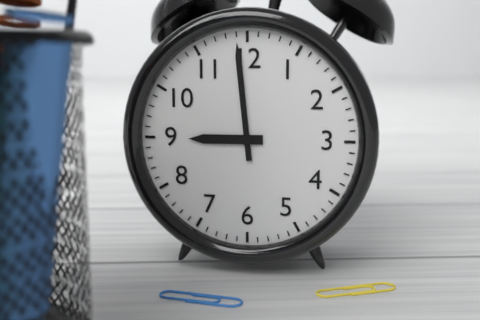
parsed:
8:59
